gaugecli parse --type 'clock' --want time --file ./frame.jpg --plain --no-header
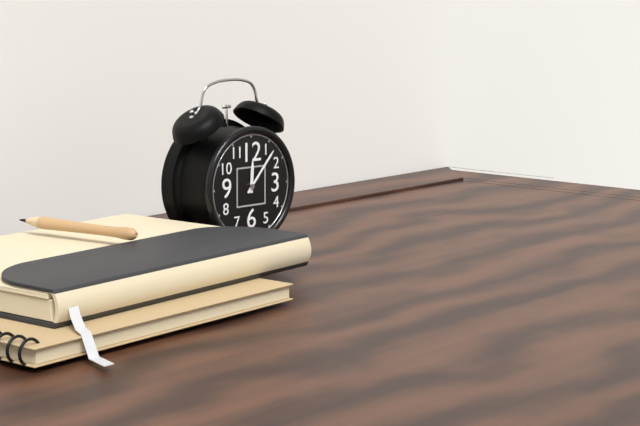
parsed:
12:07
